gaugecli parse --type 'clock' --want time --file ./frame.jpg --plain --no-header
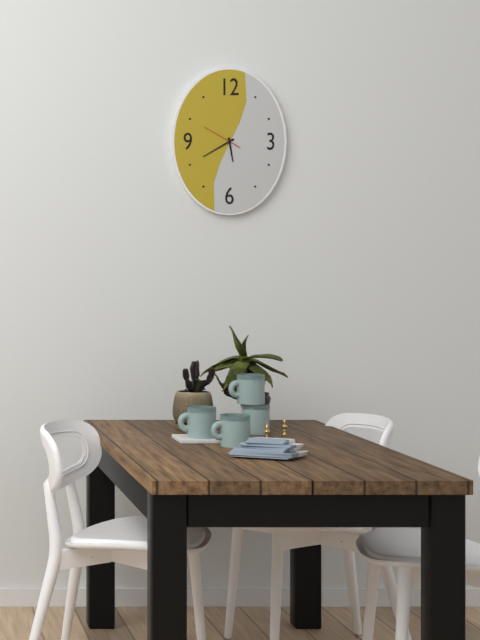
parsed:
5:40
